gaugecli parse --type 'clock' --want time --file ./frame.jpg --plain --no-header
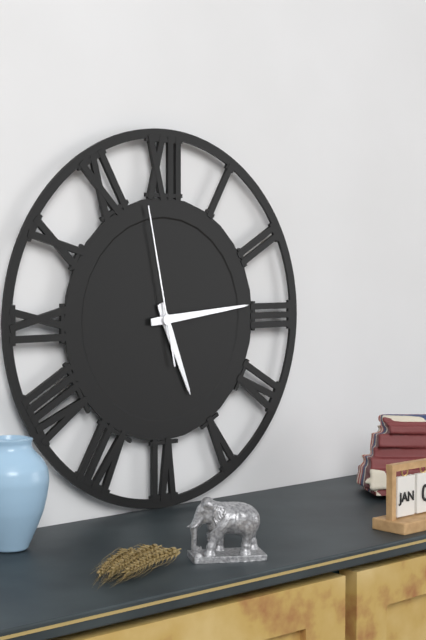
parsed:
5:14:58
